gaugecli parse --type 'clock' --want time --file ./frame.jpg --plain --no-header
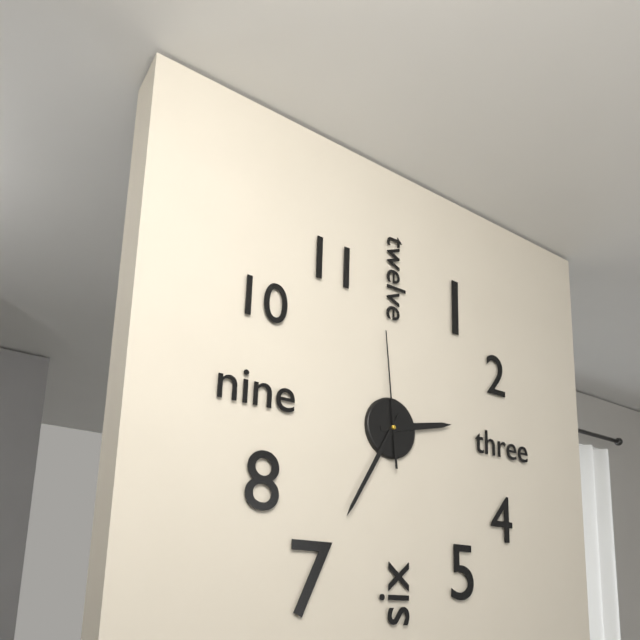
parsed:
2:35:59
